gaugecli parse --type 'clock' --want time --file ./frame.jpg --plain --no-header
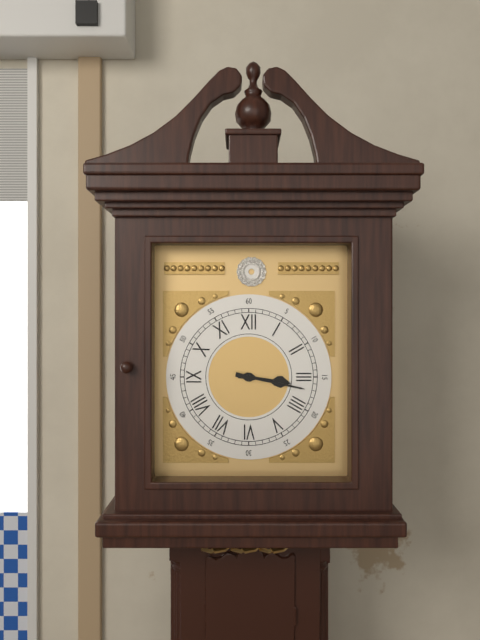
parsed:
3:17
